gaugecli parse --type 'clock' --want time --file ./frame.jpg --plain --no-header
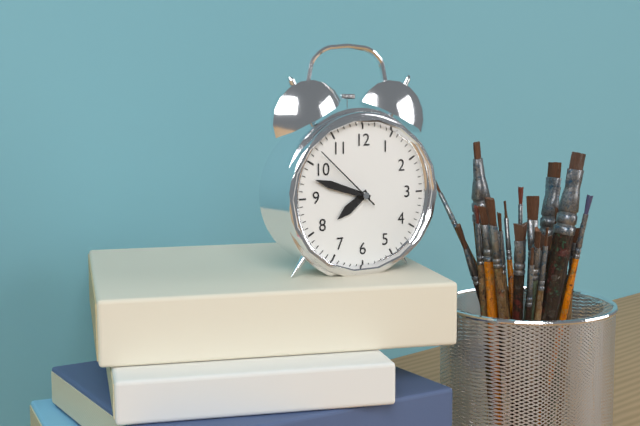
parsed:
7:48:52
